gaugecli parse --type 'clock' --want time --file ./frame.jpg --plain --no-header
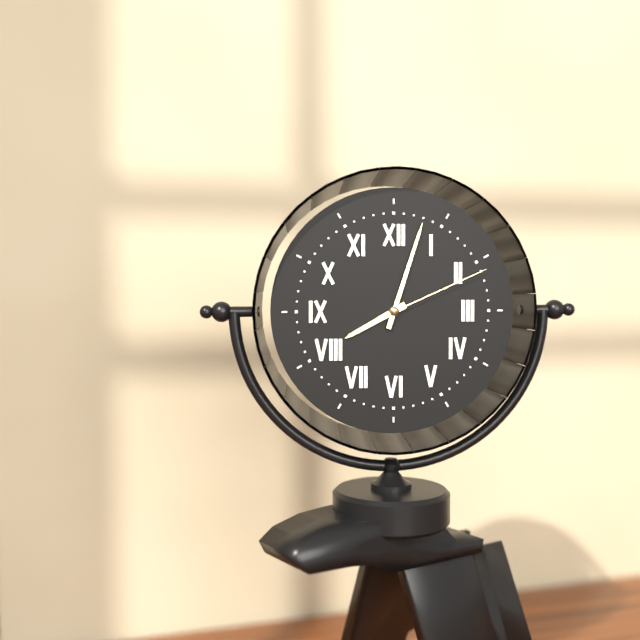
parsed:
8:03:11
